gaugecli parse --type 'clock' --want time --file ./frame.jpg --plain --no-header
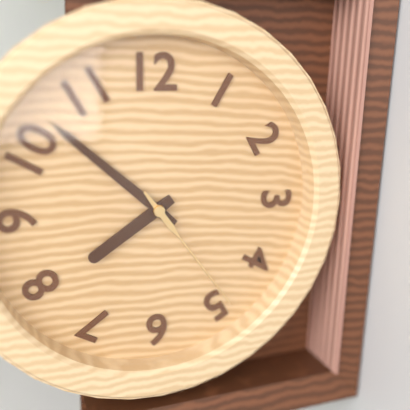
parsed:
7:52:24
